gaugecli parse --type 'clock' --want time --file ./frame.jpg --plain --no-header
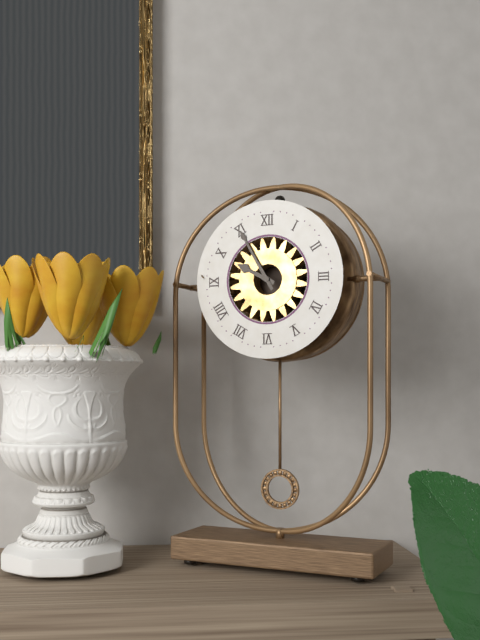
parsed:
9:55
